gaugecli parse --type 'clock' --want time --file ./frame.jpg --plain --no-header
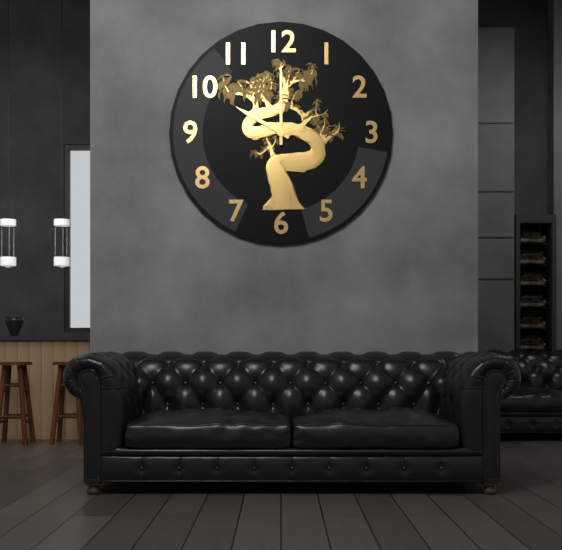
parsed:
10:00
